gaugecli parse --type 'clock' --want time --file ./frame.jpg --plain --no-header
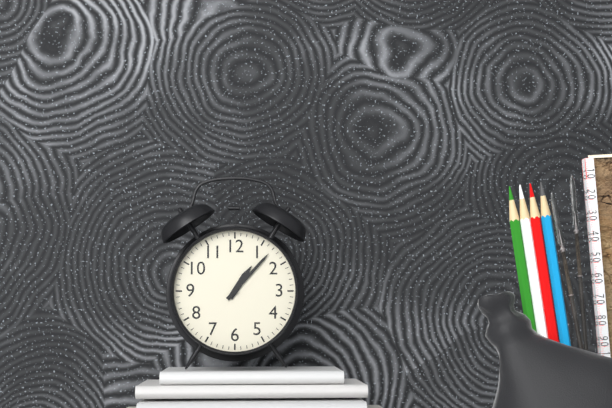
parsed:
1:07
